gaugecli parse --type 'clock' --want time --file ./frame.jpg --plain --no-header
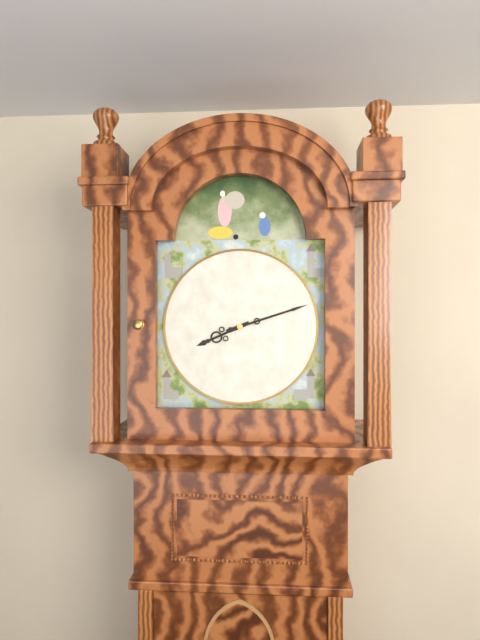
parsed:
8:12
